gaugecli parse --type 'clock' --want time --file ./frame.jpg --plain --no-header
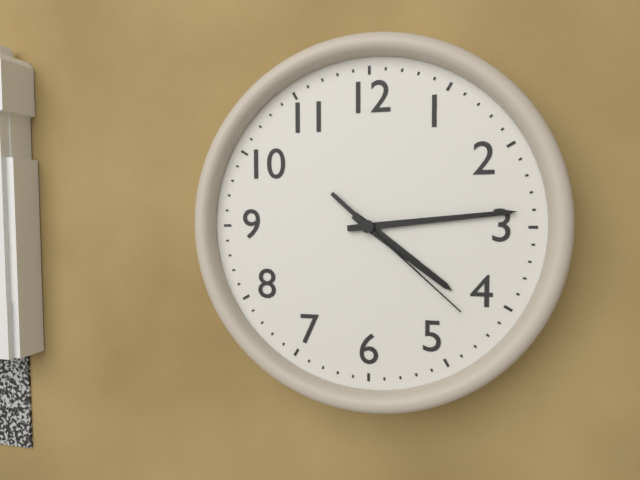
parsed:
4:14:22
